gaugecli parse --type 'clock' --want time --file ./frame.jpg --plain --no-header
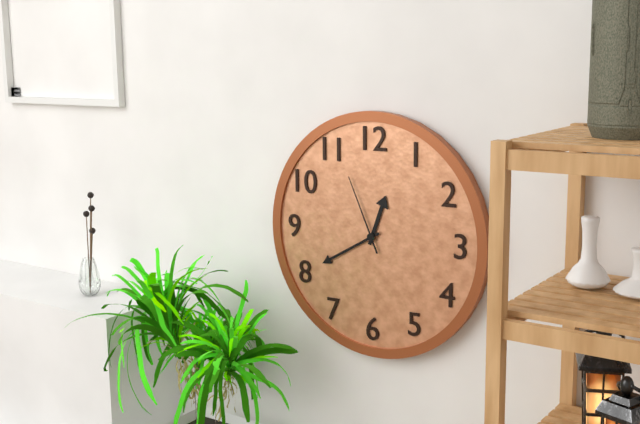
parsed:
12:40:56
